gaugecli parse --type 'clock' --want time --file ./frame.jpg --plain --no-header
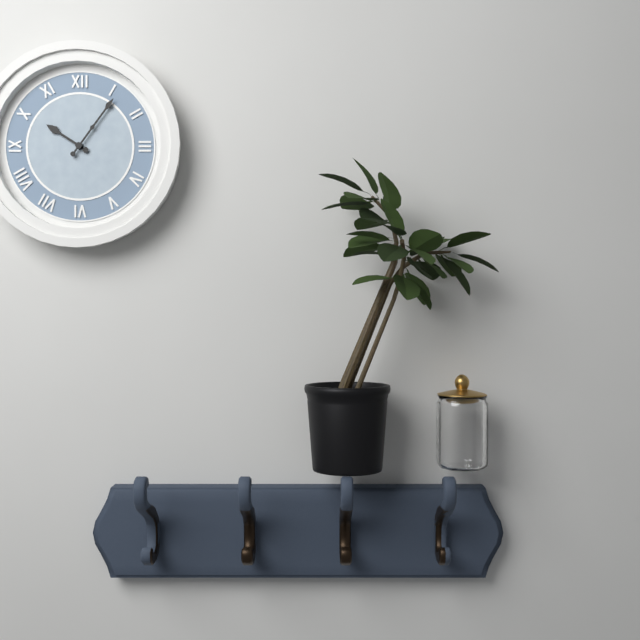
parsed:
10:06
